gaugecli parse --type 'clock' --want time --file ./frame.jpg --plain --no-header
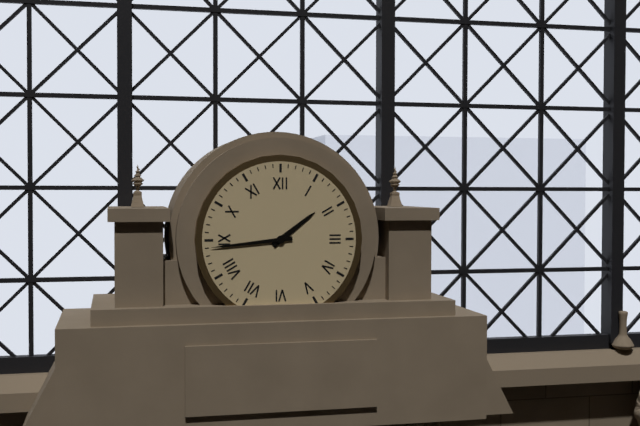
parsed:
1:44
